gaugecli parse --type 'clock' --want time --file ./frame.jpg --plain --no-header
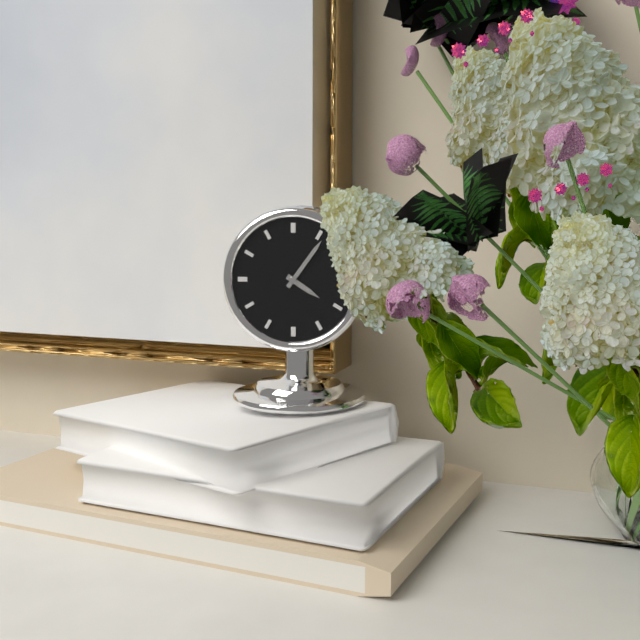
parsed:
4:06
